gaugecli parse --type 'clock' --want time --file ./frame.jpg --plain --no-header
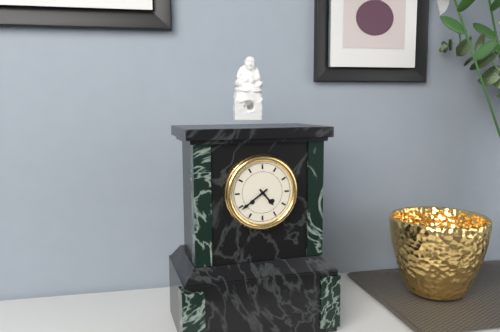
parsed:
4:39
